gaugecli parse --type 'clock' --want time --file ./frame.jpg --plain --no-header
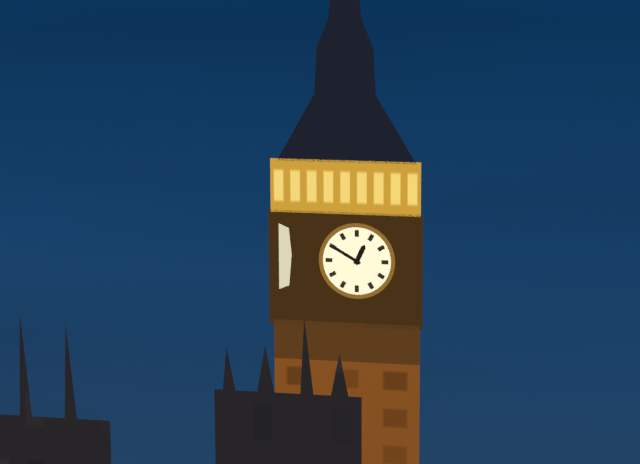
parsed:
12:50
